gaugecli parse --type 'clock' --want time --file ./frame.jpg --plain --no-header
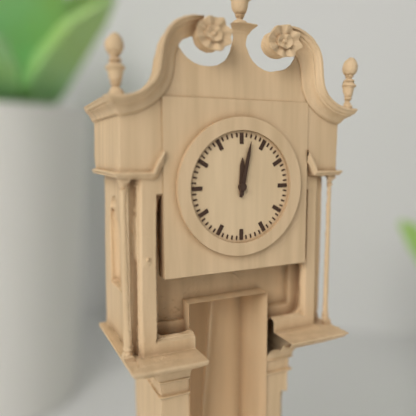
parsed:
12:02
